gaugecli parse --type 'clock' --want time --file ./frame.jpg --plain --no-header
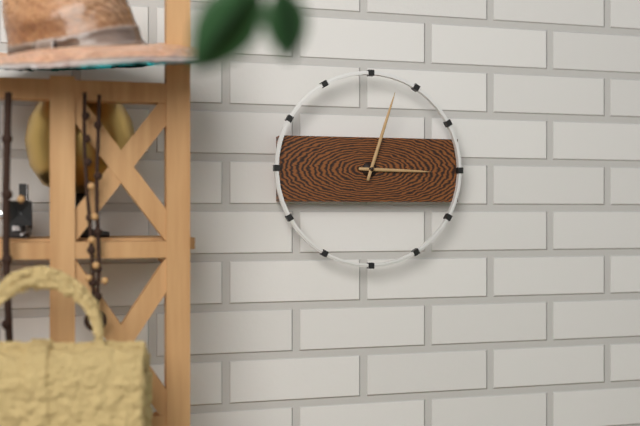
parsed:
3:03
